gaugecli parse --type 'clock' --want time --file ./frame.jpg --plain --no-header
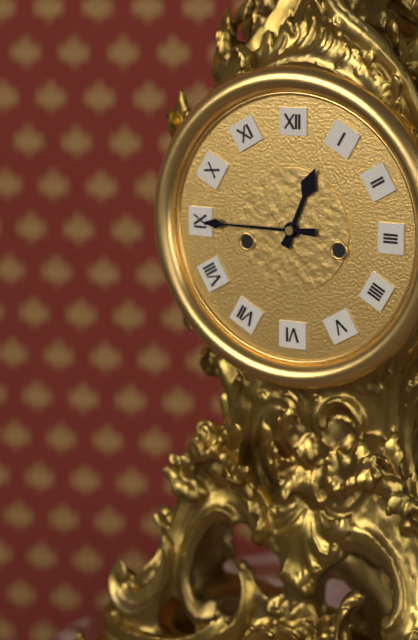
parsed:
12:45
